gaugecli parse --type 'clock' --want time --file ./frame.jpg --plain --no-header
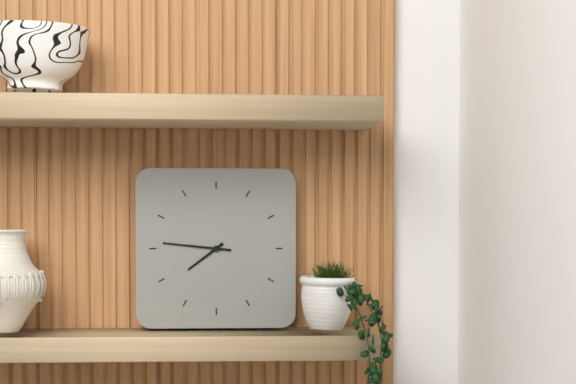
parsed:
7:46
